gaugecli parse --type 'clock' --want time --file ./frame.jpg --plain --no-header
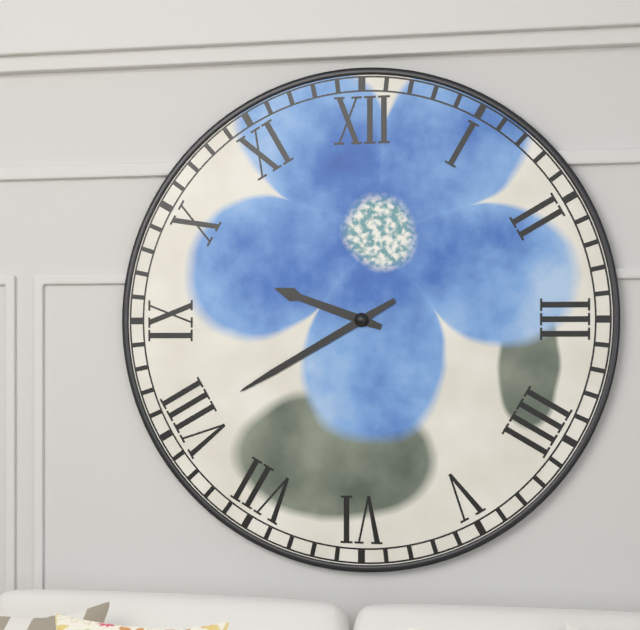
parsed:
9:40
